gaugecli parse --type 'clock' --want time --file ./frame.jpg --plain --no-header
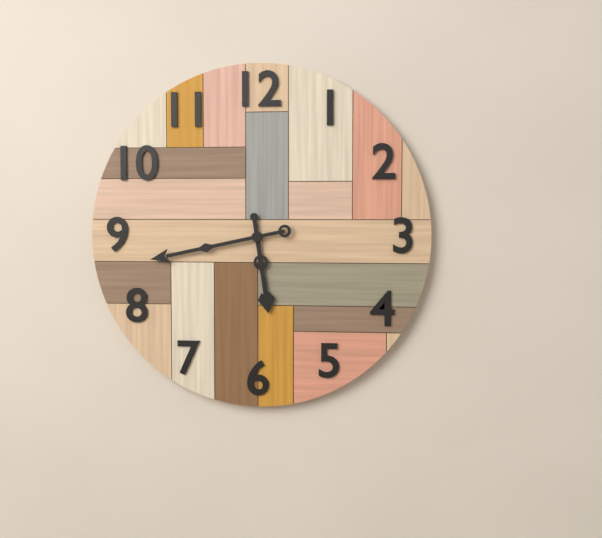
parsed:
5:43
